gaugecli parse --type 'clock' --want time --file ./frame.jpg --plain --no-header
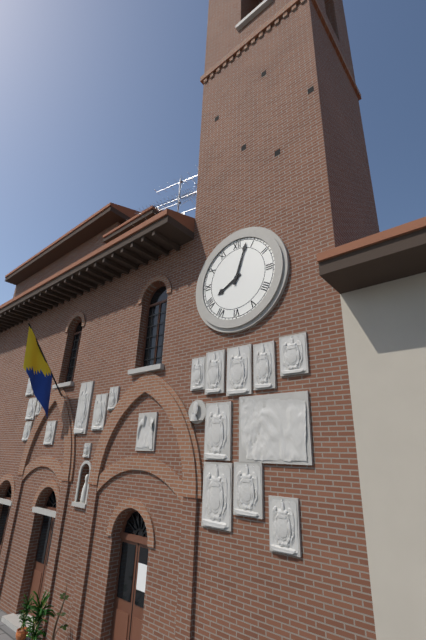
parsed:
8:03
